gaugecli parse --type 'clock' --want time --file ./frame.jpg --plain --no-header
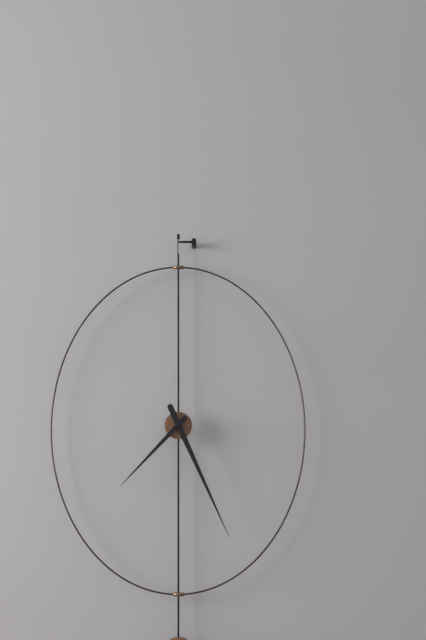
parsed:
7:26
